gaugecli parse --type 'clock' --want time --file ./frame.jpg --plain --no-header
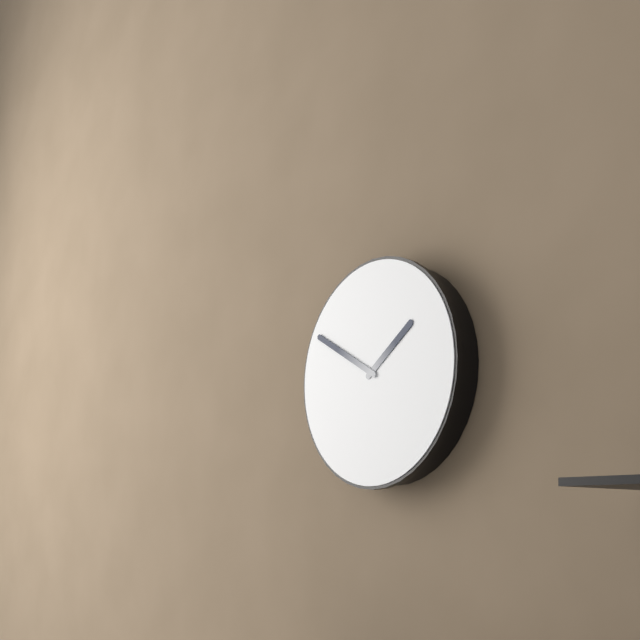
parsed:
1:50
